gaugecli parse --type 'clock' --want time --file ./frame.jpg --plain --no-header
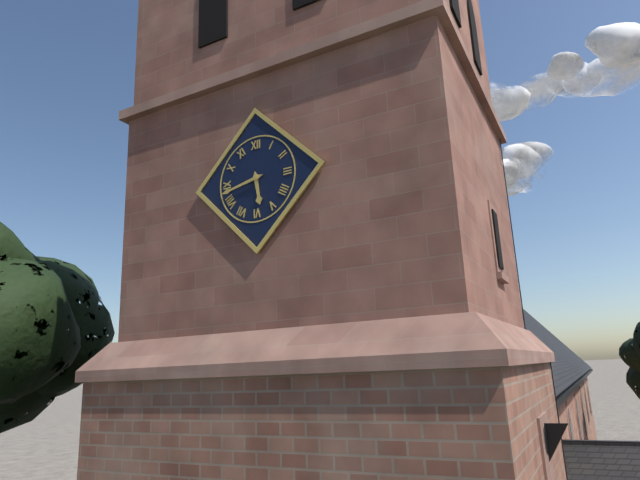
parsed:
5:43
